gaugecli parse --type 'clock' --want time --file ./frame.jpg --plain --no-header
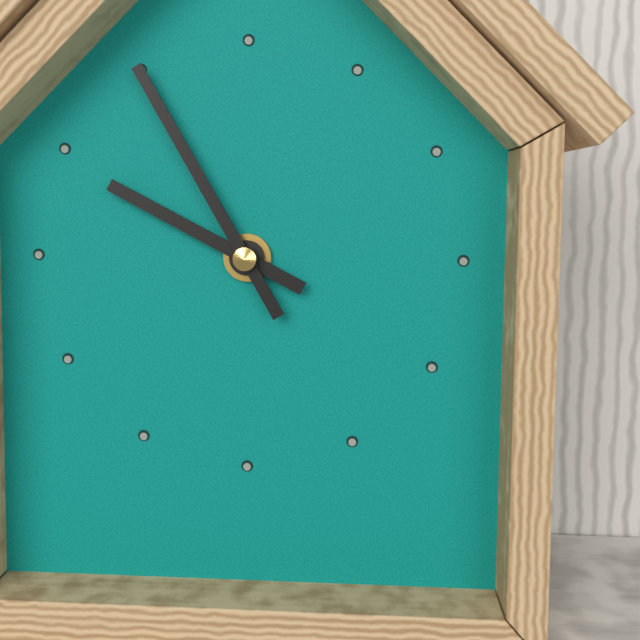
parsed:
9:55
